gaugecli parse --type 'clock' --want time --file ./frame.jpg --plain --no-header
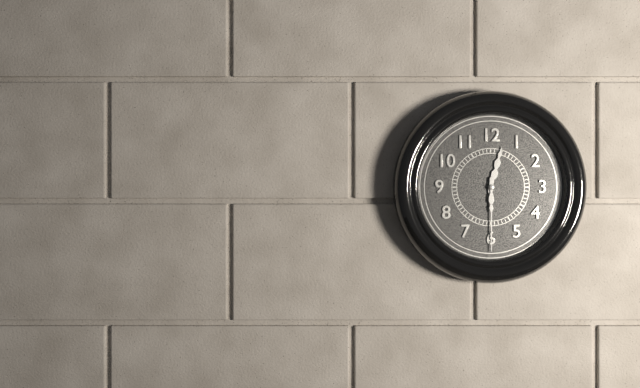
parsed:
12:30
